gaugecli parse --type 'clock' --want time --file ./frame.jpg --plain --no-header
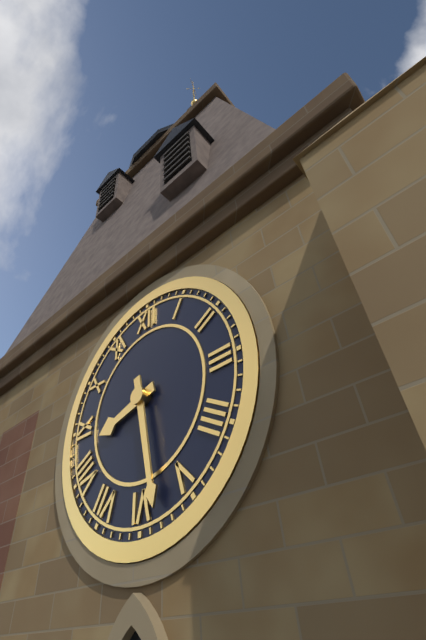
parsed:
8:28
